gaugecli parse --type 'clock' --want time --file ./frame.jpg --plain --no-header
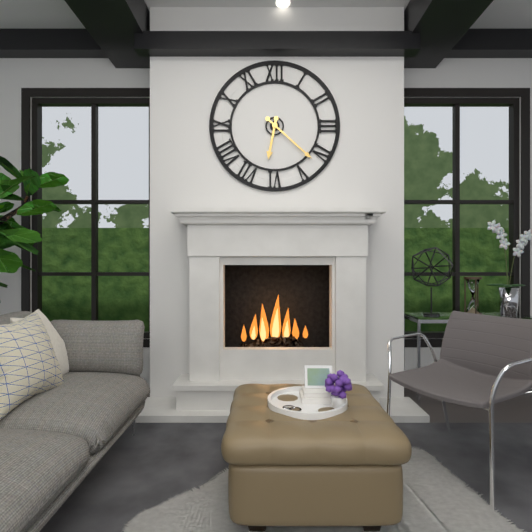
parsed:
6:22
